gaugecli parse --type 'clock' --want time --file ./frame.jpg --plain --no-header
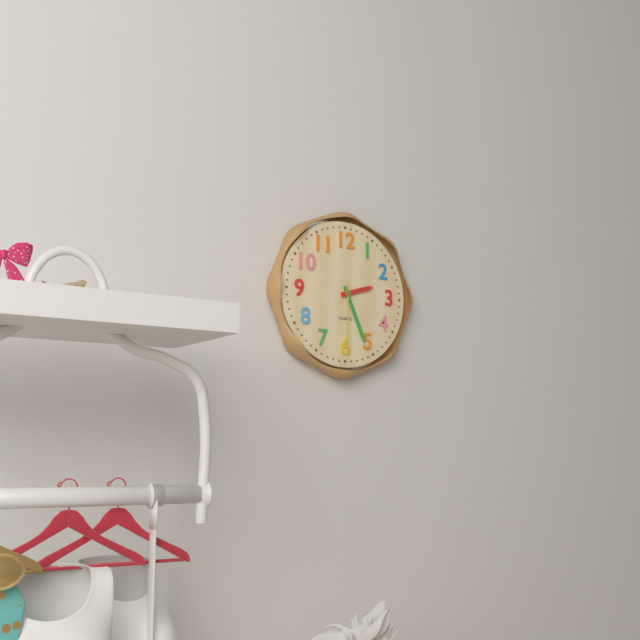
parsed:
2:26:30
